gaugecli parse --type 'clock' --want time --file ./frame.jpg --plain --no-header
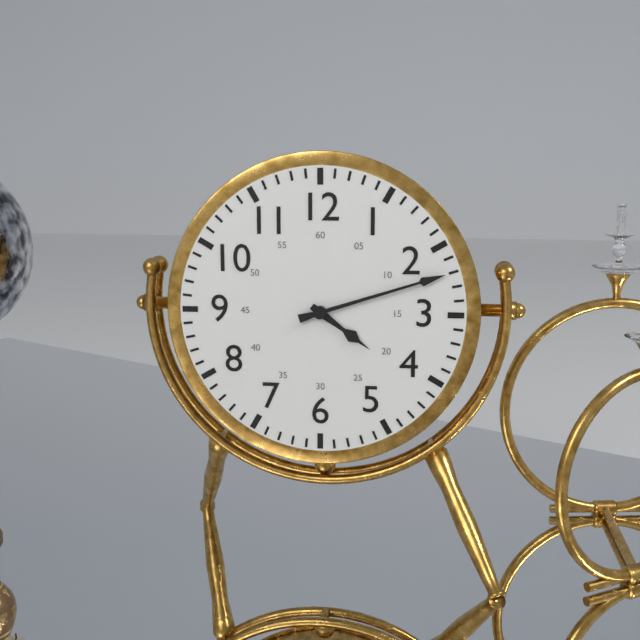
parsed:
4:12
